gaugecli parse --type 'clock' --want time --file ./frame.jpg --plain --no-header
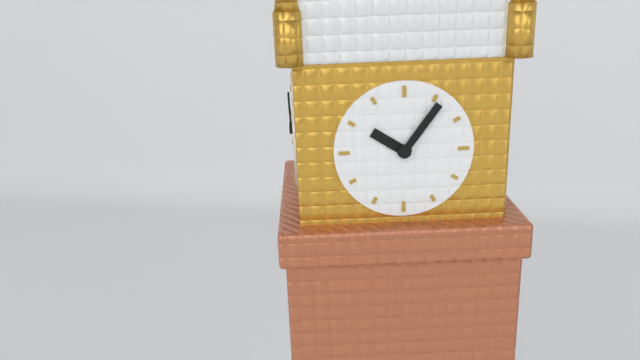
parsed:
10:06
